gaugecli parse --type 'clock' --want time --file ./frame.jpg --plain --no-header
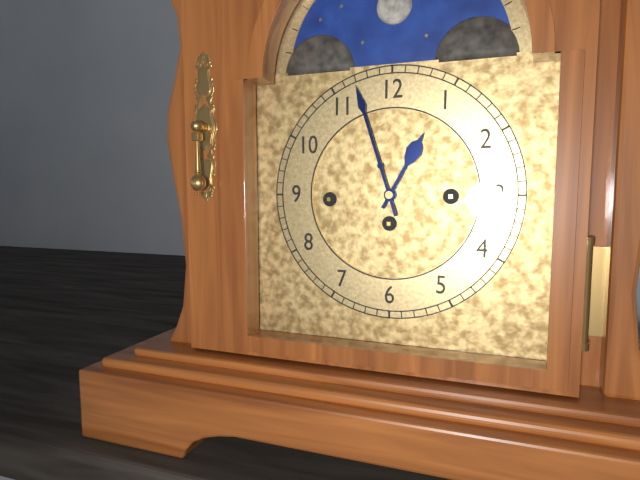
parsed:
12:57
